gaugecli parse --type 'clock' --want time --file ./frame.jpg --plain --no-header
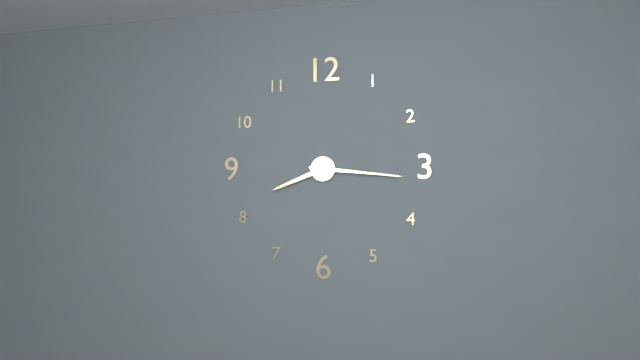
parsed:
8:16
